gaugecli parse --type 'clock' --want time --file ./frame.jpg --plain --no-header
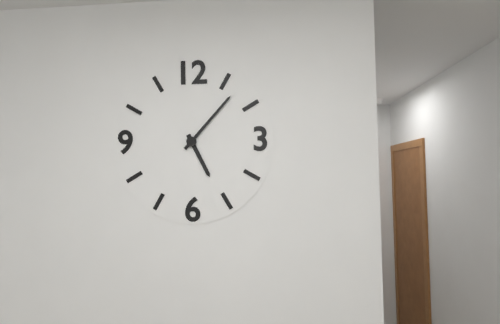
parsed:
5:07
